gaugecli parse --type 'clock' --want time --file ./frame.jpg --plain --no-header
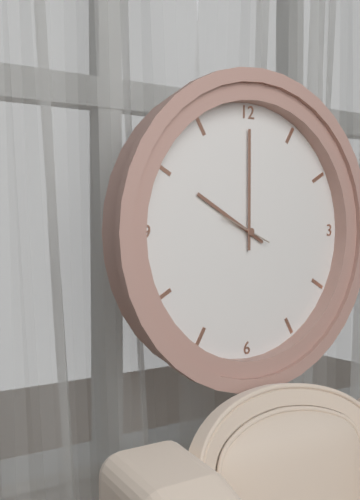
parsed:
10:00
